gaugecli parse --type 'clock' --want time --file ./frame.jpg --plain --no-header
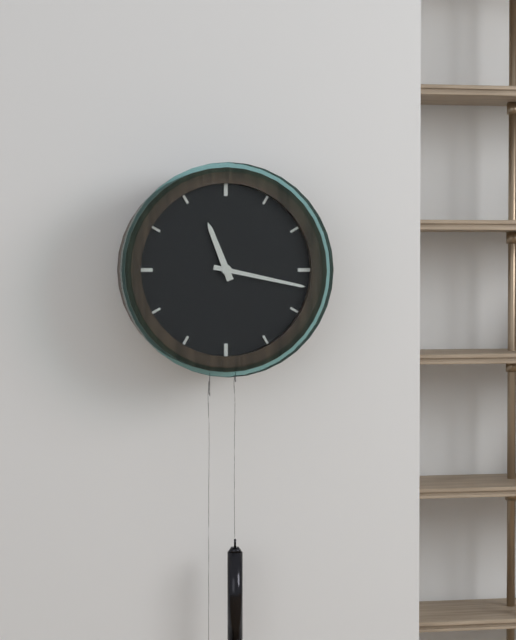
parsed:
11:17
